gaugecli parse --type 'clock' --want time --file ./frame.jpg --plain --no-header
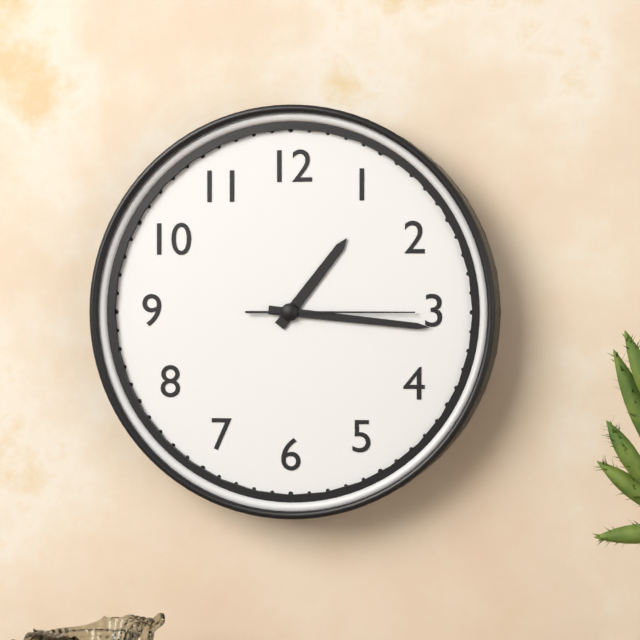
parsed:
1:16:15
